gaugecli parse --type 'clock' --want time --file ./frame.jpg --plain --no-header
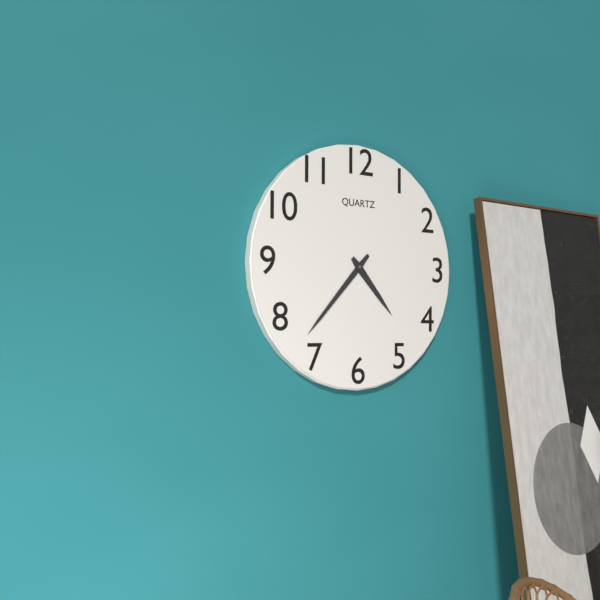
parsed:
4:37
